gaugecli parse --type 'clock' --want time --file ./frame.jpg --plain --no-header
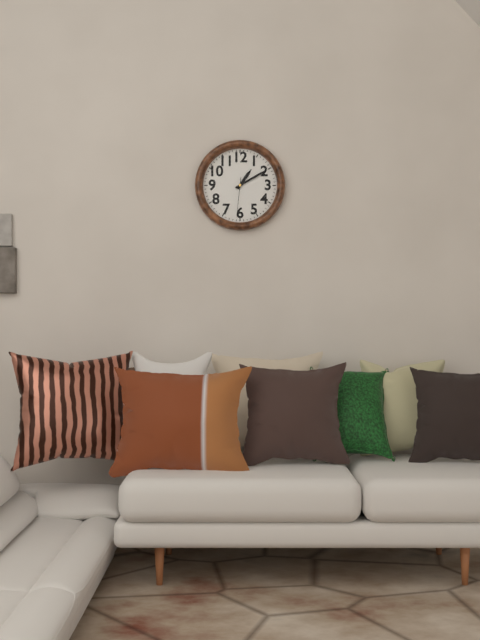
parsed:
1:10
